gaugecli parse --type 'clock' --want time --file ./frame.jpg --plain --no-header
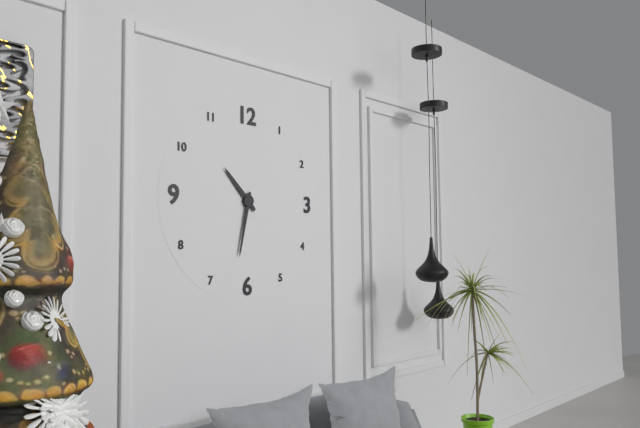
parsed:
10:32
